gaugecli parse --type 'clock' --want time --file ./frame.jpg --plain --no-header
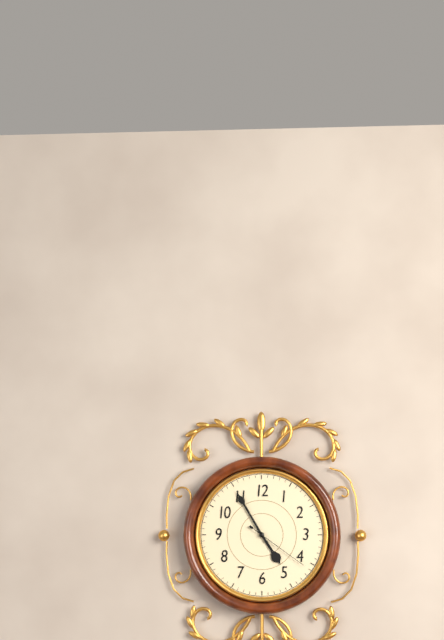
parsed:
4:55:21
